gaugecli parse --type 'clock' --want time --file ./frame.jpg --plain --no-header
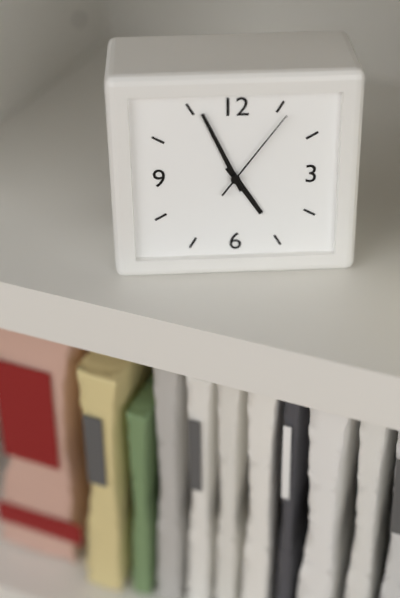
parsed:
4:56:06
